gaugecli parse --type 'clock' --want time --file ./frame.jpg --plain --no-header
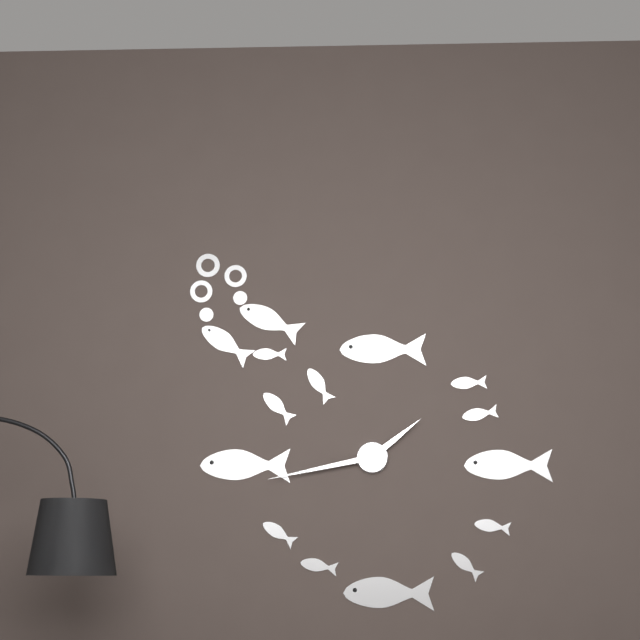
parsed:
1:43
